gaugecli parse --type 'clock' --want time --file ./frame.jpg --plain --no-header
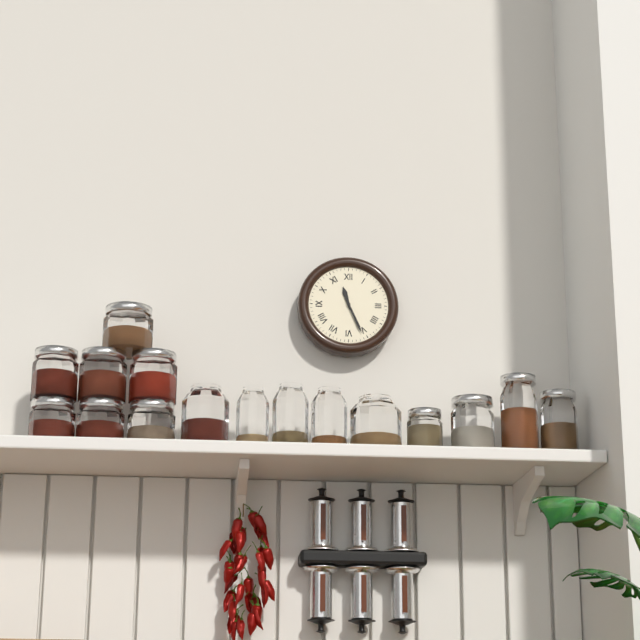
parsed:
11:26
